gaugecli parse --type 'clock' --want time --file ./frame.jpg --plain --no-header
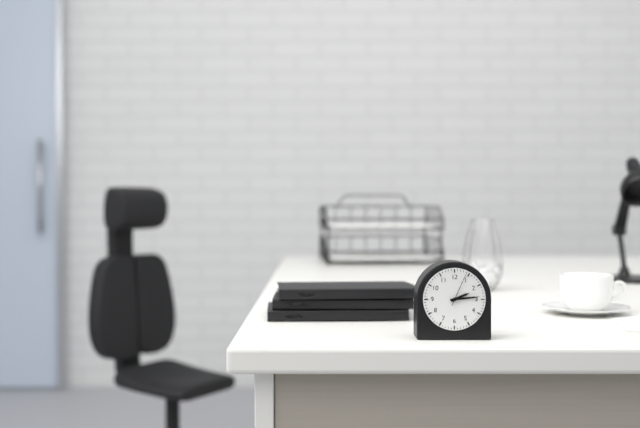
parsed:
2:14
